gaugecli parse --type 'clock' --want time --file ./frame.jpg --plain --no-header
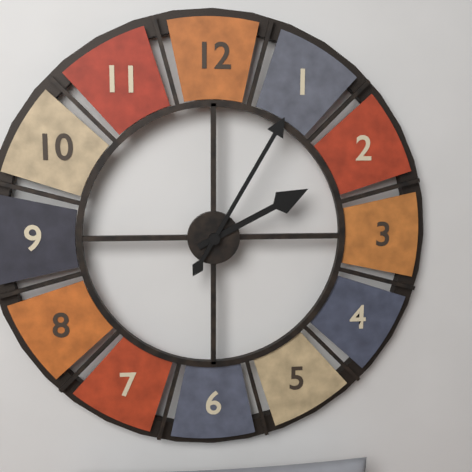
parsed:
2:05
